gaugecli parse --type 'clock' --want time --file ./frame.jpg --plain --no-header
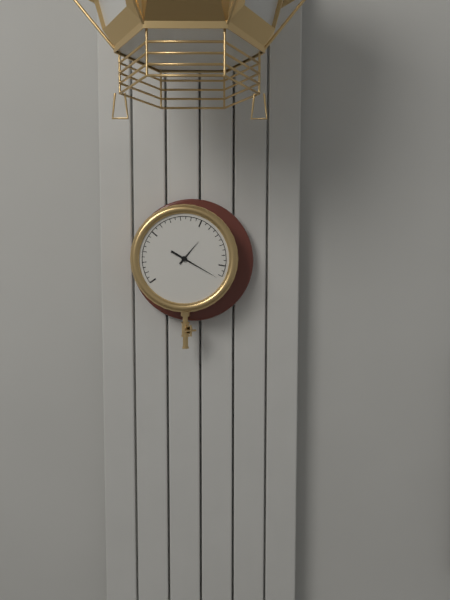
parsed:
1:20
